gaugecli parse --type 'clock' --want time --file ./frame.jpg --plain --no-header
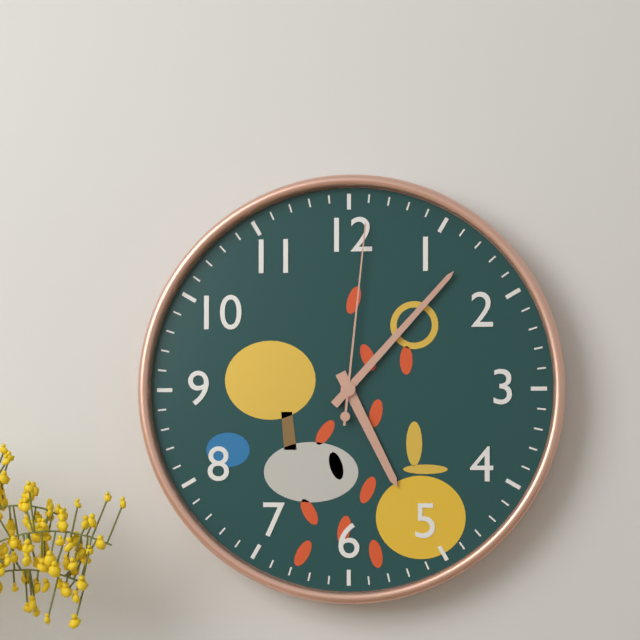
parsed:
5:07:01
